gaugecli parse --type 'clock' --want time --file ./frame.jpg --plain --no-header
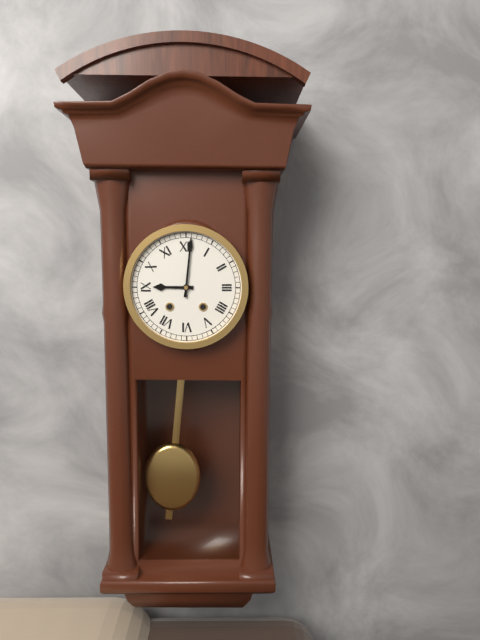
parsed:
9:01
